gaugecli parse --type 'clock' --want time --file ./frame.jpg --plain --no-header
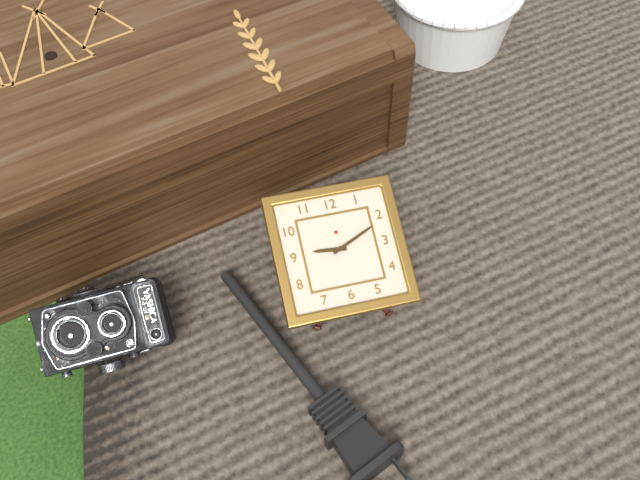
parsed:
9:11
